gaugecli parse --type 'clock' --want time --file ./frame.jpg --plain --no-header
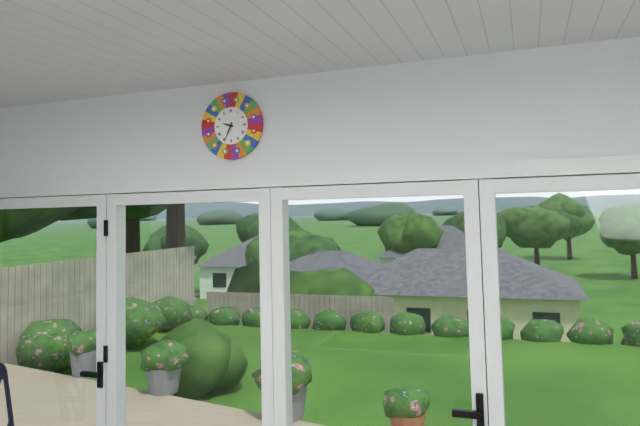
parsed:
9:34
